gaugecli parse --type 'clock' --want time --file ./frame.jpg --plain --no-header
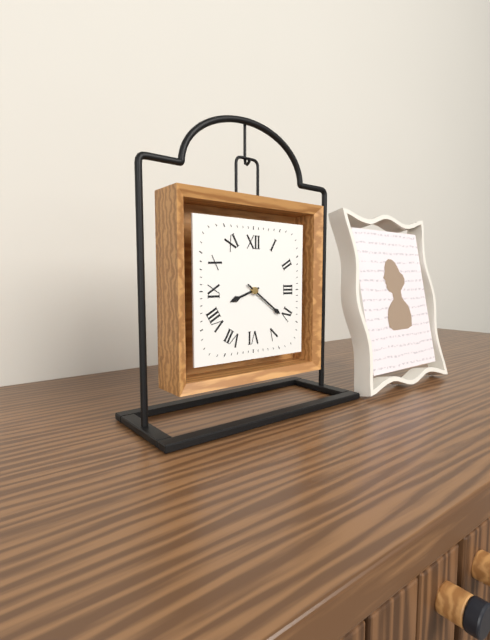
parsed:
8:21
